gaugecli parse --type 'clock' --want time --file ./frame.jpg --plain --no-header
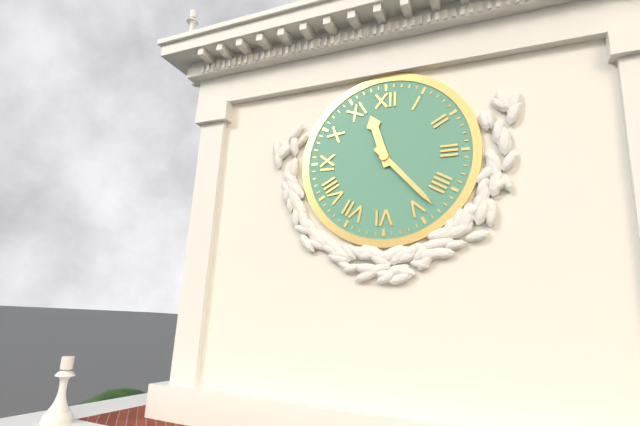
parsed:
11:23
